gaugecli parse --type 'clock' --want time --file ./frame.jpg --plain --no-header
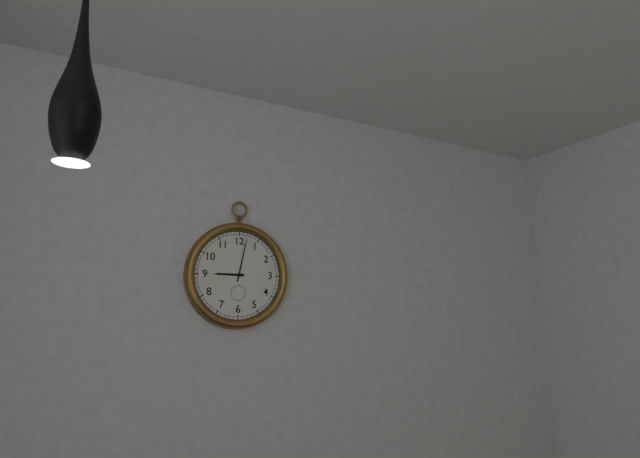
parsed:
9:02
